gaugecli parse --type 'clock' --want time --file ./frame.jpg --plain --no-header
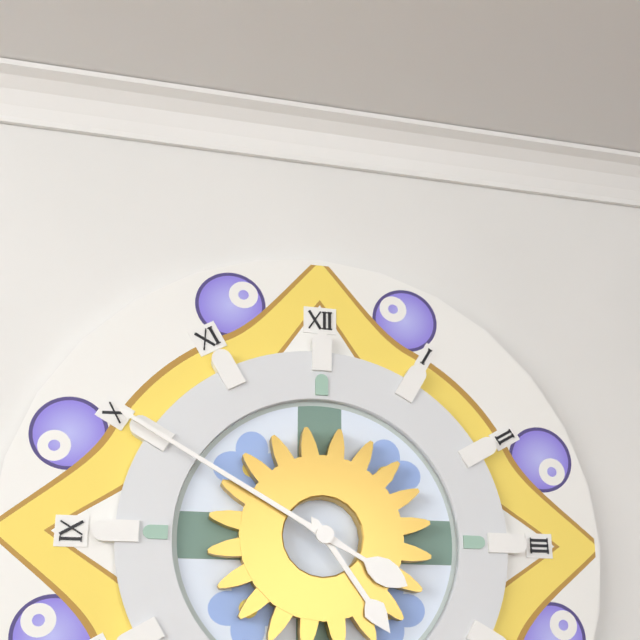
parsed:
4:50
